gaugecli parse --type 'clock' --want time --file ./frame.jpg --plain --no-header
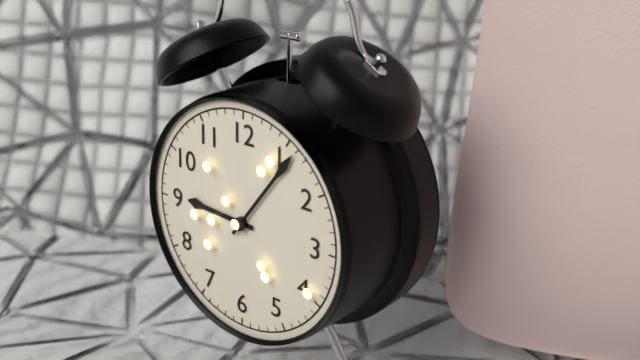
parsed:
9:06
